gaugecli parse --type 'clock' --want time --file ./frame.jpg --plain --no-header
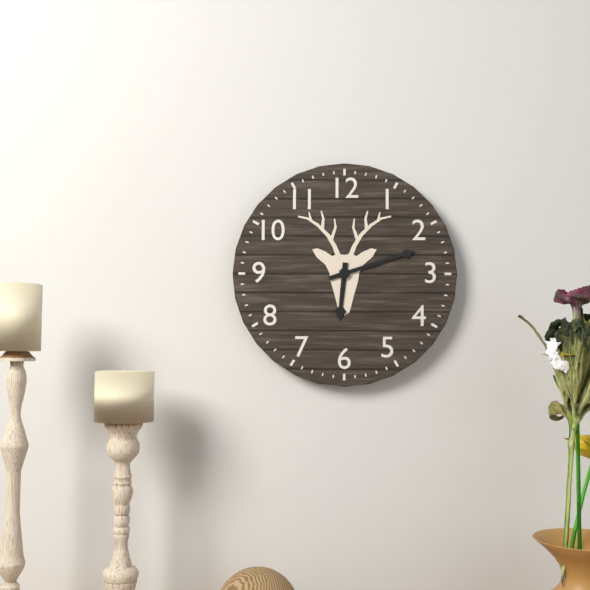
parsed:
6:12
